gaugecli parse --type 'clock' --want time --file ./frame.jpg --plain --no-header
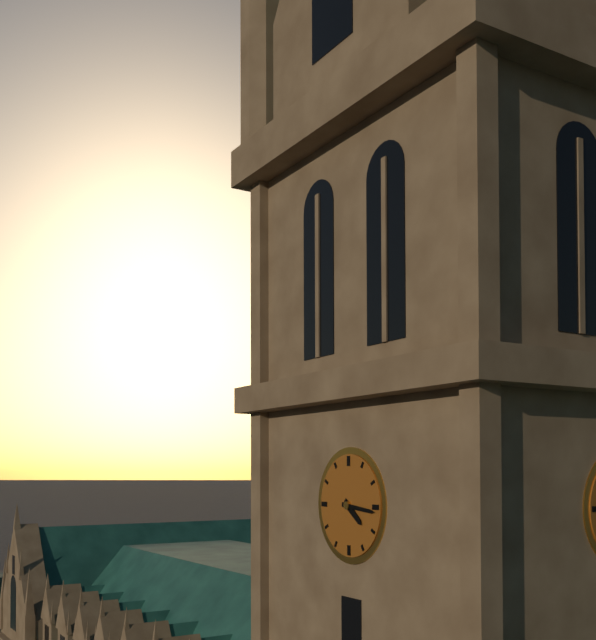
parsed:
4:16
